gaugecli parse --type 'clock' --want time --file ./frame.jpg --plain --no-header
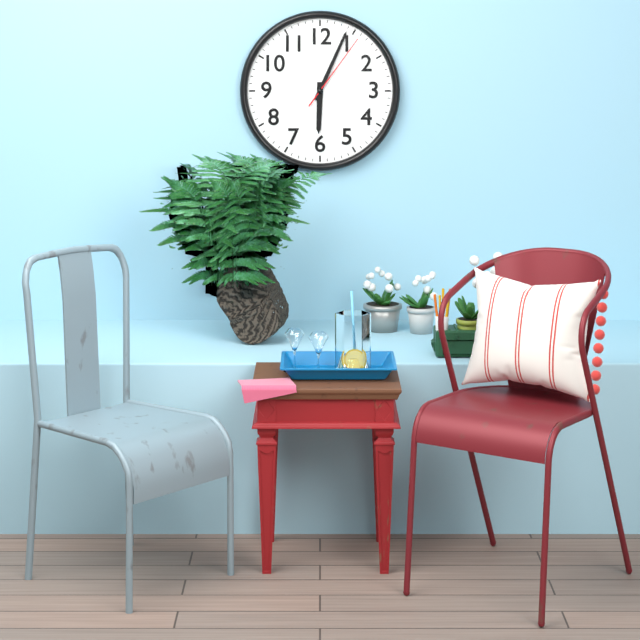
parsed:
6:04:06
